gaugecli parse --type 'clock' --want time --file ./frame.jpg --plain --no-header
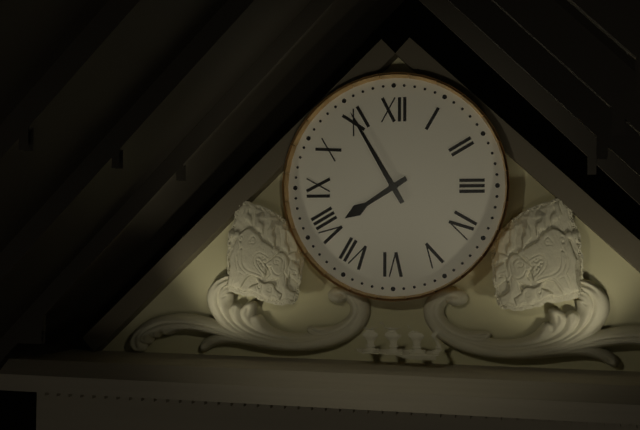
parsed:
7:55
